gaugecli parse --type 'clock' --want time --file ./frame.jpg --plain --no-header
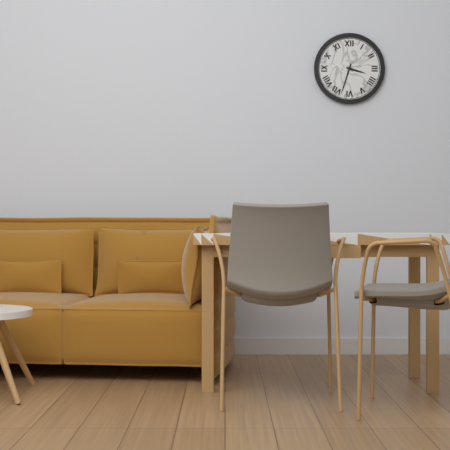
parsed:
3:33
